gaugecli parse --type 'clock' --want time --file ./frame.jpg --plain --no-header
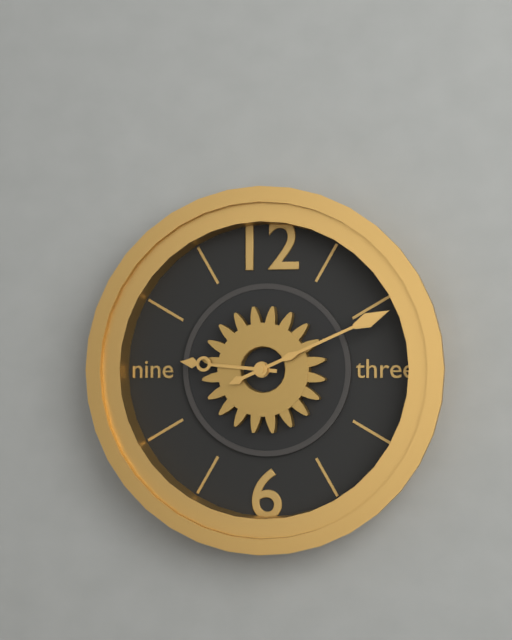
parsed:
9:11
